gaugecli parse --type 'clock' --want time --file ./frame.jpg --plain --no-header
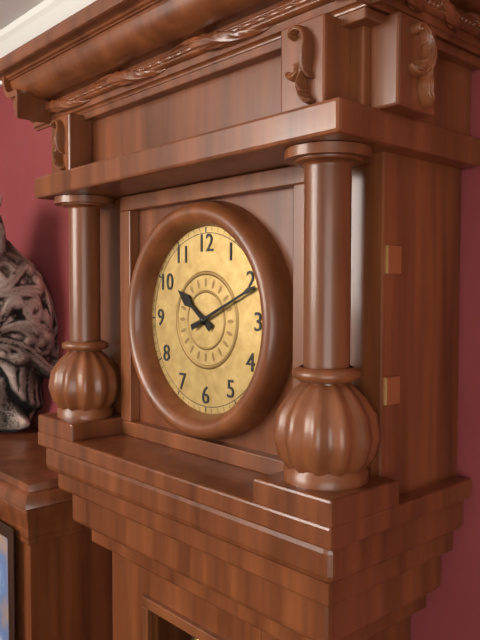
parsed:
10:11
